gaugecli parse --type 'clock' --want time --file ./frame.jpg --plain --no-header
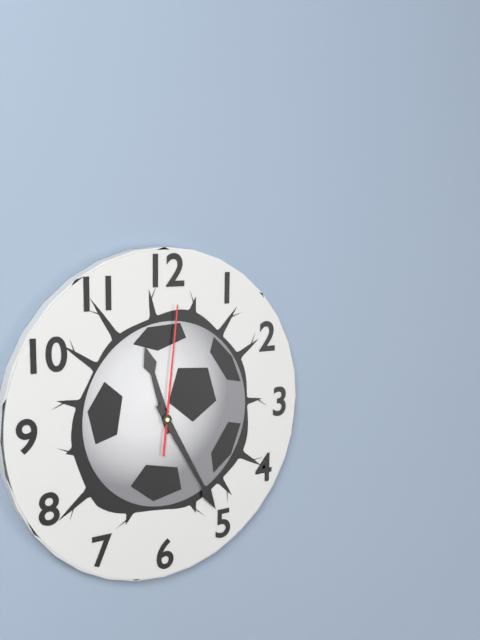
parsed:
11:25:01
